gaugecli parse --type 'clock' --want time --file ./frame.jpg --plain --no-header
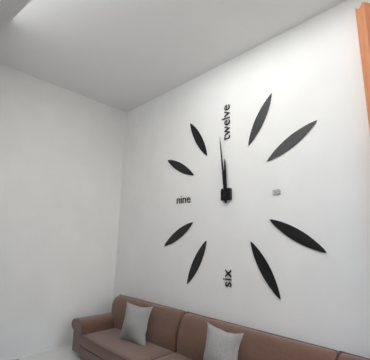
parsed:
11:59
